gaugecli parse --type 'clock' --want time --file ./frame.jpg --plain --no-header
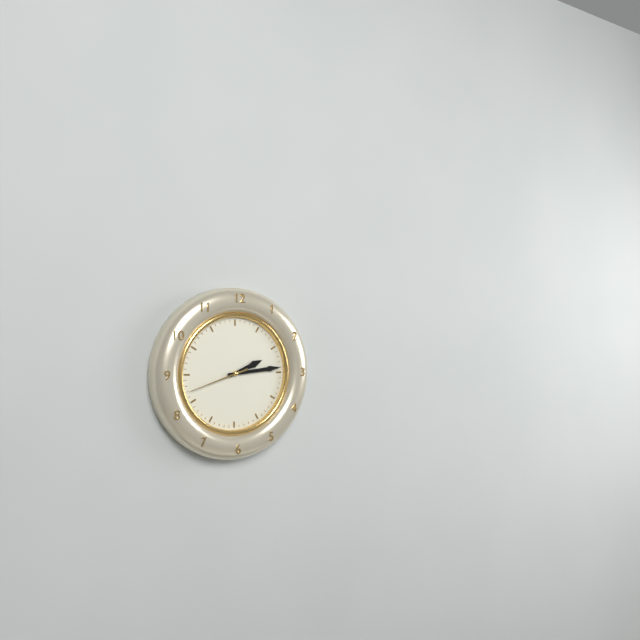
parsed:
2:14:42
